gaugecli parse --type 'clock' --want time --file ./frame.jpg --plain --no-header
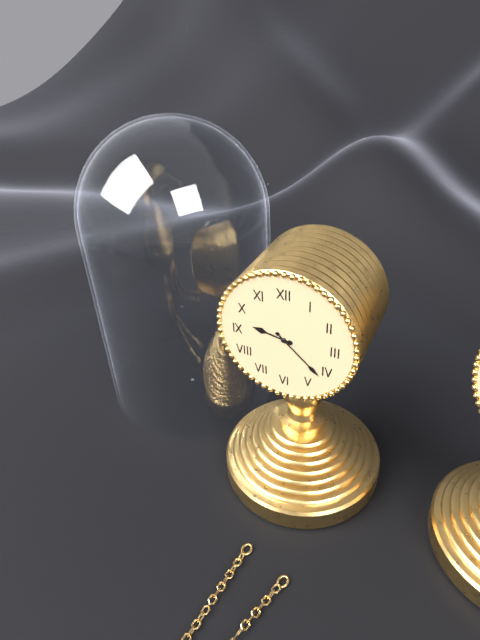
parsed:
9:22
